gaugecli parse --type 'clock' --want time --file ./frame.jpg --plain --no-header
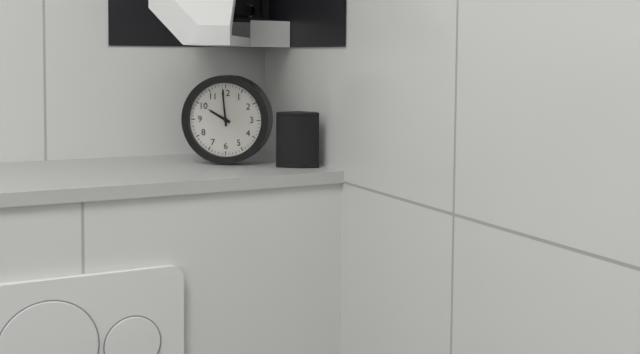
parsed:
9:59
